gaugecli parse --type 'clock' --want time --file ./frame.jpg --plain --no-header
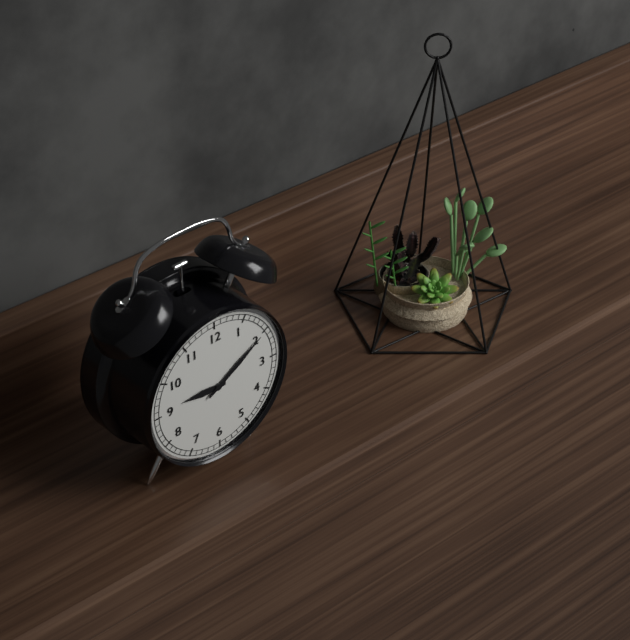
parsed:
9:10
